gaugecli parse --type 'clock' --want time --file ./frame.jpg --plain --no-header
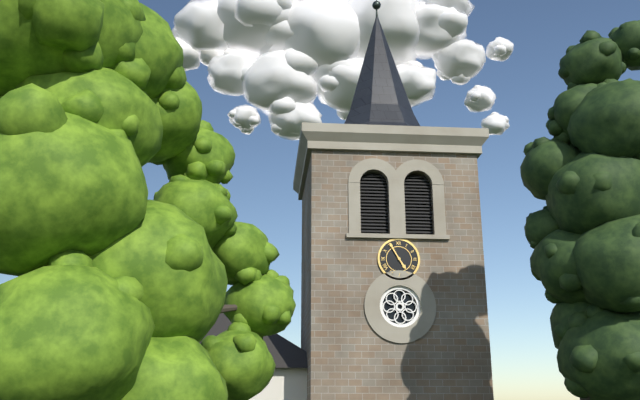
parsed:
4:55
